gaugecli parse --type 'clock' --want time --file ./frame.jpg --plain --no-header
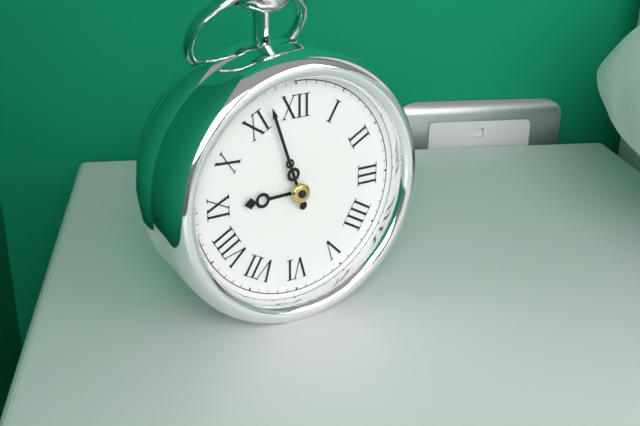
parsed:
8:57
